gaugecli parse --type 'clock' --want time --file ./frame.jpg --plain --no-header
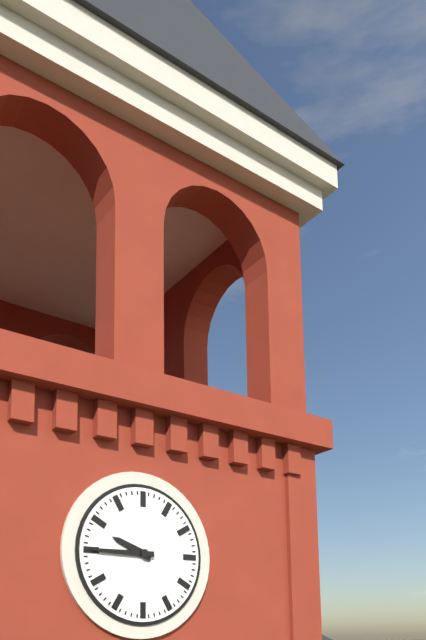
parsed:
9:45
